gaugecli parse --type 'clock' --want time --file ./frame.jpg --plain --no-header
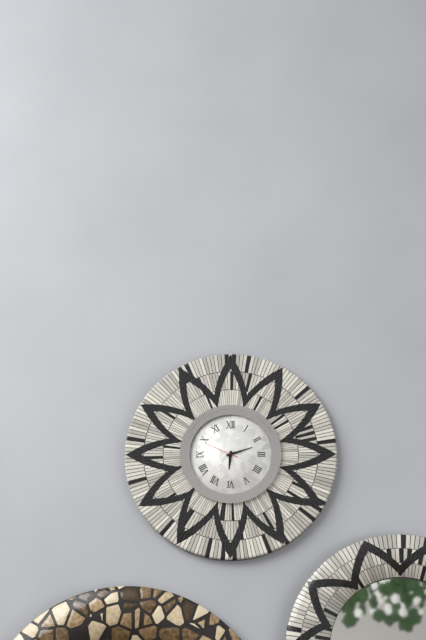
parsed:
6:12
